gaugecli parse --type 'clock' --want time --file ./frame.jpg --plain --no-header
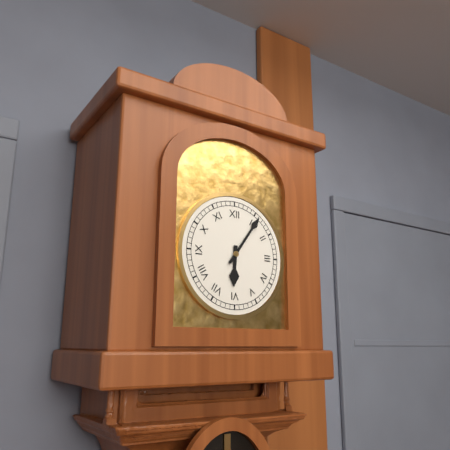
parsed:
6:06
